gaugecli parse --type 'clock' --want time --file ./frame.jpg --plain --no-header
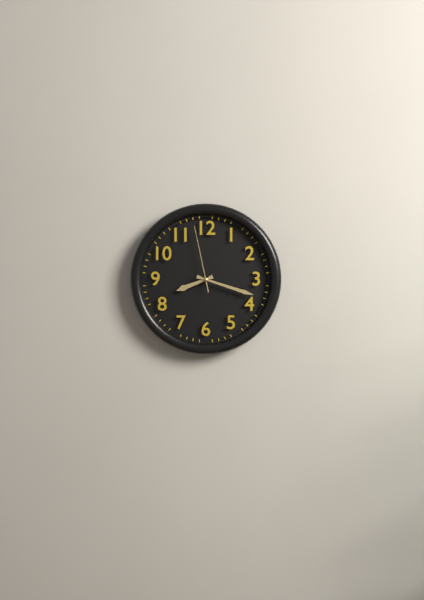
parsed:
8:18:58
